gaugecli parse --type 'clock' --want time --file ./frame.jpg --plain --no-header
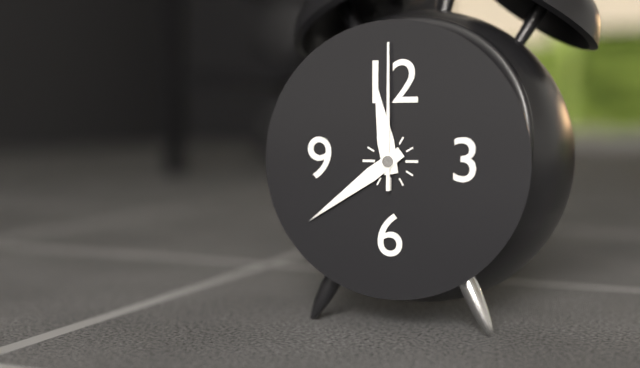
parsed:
11:39:00
